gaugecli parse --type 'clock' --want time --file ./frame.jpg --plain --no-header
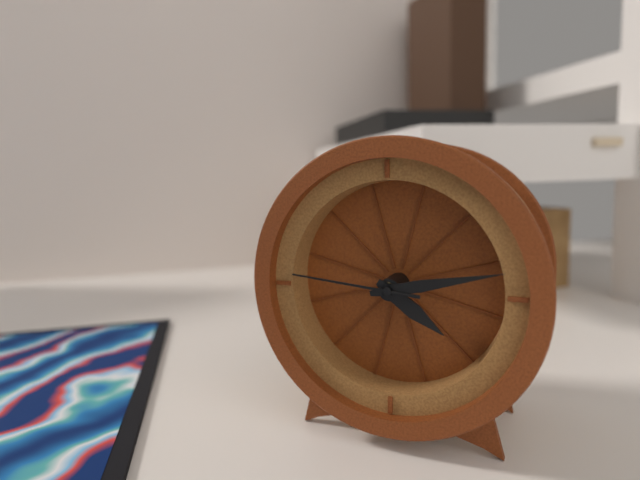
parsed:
4:13:46
